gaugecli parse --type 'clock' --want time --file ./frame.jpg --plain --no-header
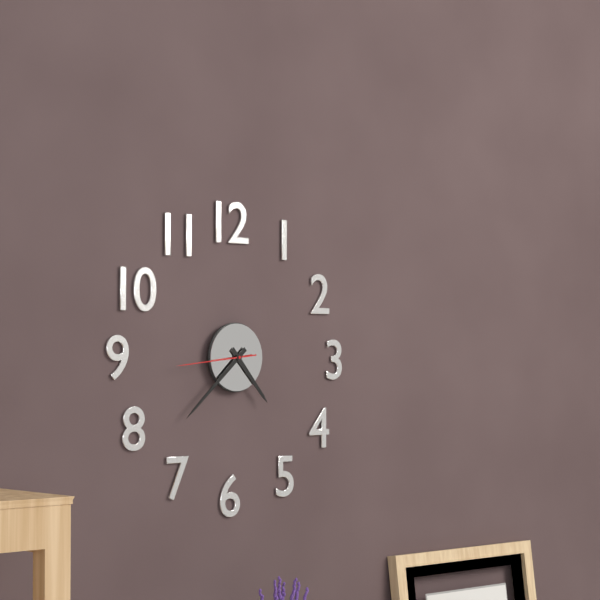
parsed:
4:38:44
